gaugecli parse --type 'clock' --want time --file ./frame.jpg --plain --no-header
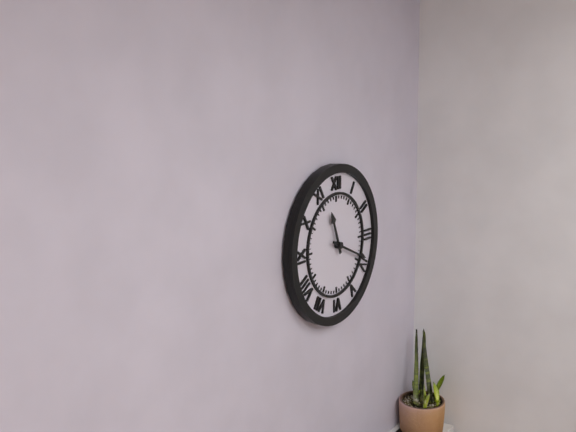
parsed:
11:19
